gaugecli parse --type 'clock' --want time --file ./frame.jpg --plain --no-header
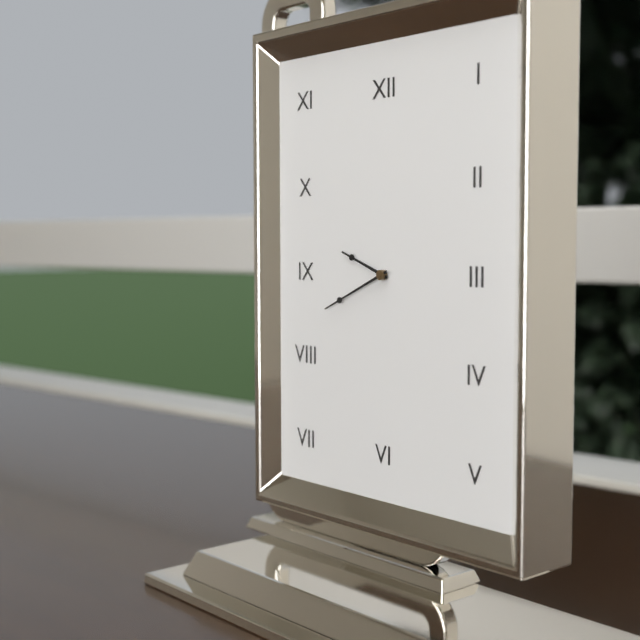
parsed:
9:41
